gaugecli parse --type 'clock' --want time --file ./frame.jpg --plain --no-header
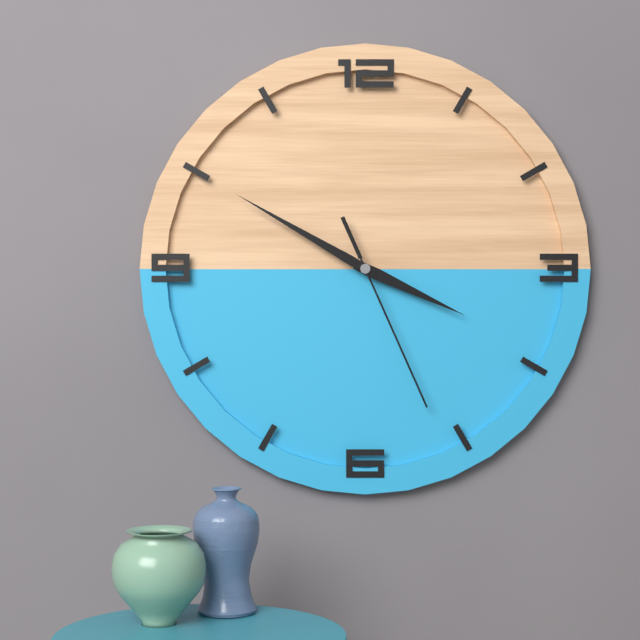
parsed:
3:50:26
